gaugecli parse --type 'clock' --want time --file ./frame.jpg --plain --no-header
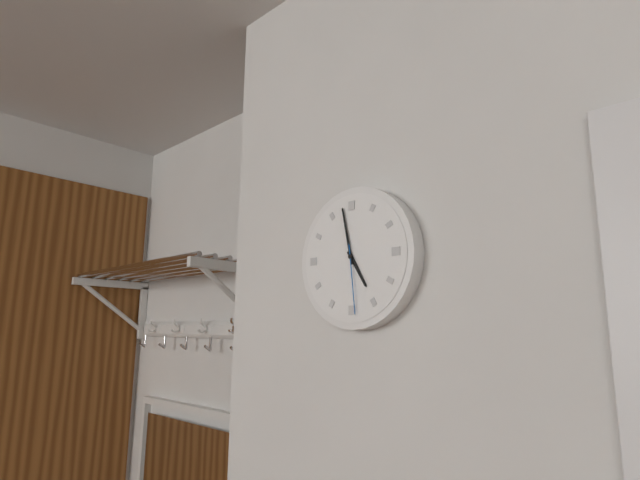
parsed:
4:58:29
